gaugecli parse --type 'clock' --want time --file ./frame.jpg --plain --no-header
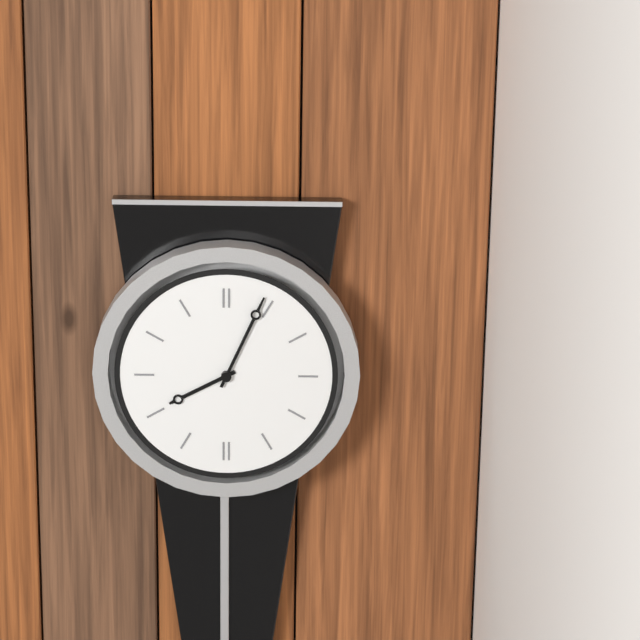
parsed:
8:04
